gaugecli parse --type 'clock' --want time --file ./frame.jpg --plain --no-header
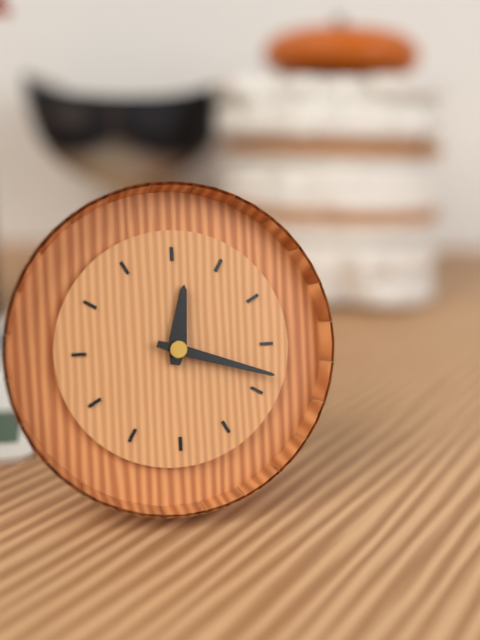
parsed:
12:18
